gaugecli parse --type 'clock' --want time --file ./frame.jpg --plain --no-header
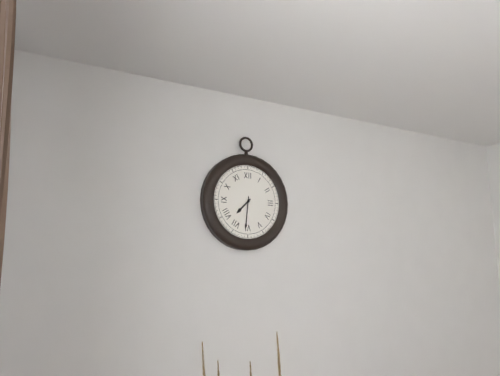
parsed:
7:31
